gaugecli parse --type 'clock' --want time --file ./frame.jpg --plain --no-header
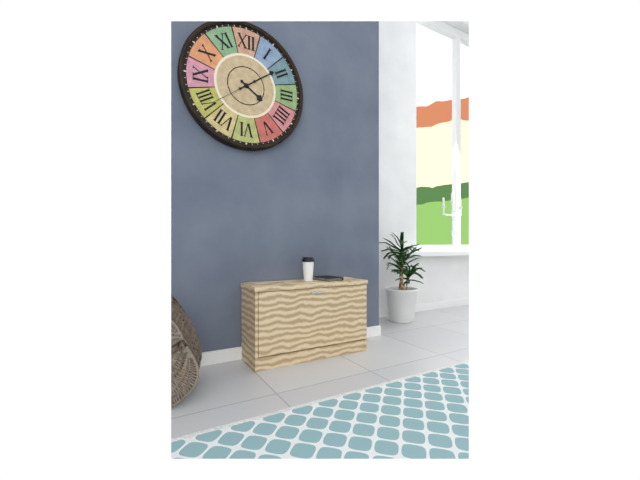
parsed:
4:09
